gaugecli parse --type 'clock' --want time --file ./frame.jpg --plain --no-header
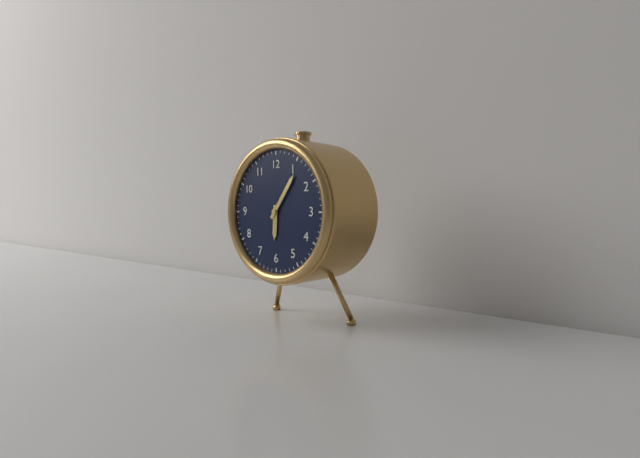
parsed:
6:06
